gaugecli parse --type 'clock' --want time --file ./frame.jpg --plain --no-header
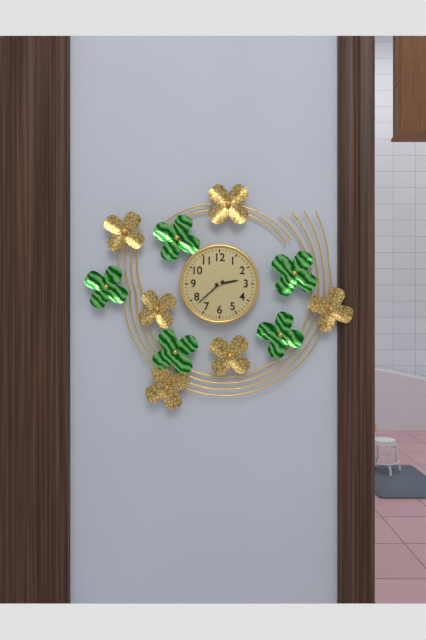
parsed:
2:38
